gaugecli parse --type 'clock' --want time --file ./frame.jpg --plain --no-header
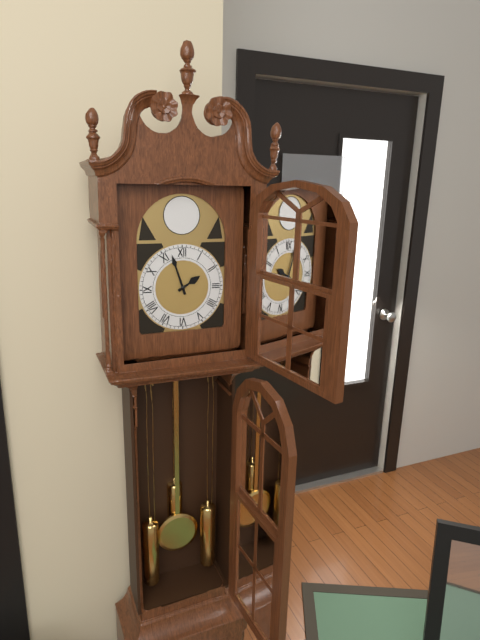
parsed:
1:57
